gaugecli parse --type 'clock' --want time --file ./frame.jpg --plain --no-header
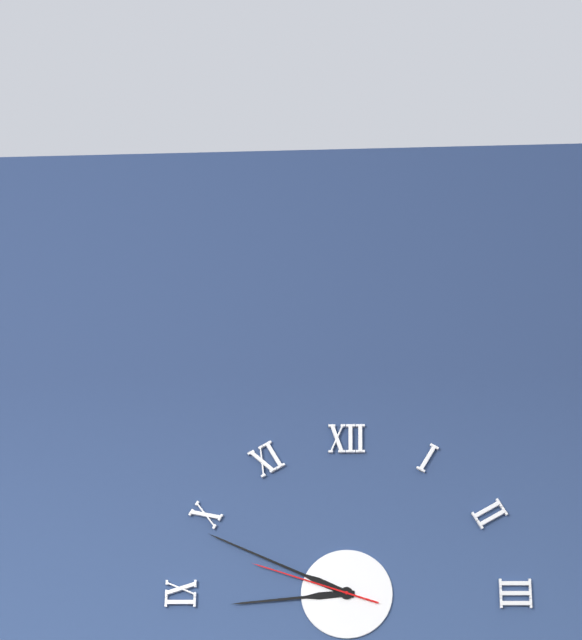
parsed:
8:49:48
